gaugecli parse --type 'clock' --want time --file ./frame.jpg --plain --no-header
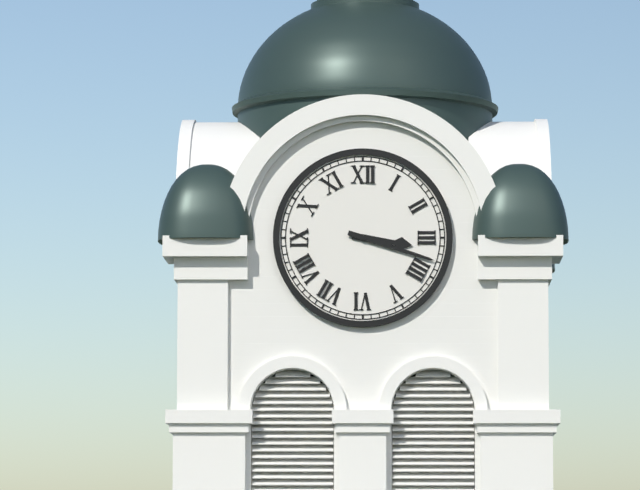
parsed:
3:18
